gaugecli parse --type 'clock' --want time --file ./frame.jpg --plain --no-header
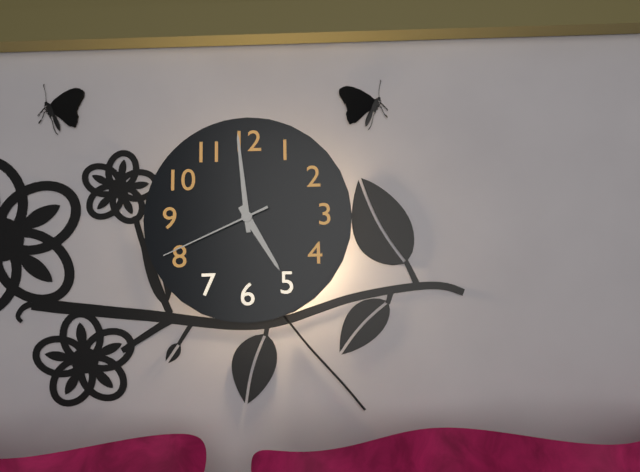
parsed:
4:59:41
